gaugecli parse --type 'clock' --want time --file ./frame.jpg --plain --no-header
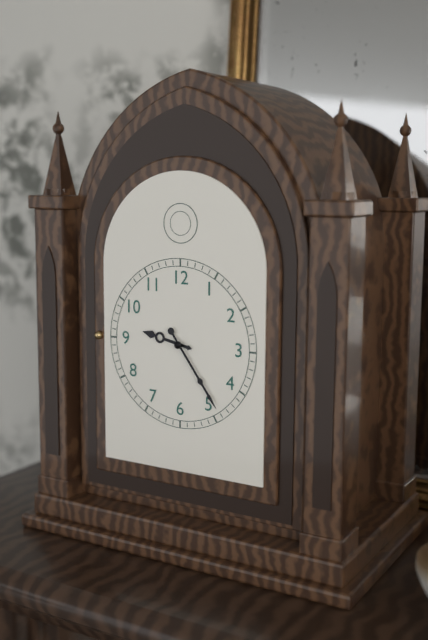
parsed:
9:24
